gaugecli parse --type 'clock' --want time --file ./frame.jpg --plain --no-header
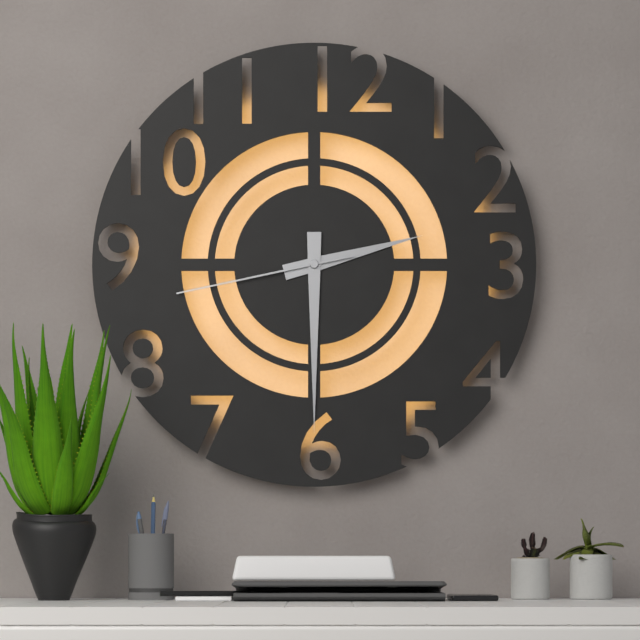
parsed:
2:30:43
